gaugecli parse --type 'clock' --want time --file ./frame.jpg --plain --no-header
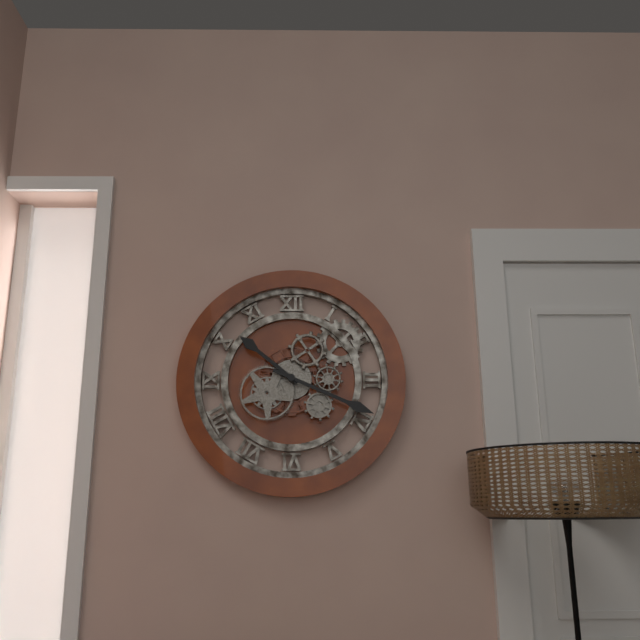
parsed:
10:19
